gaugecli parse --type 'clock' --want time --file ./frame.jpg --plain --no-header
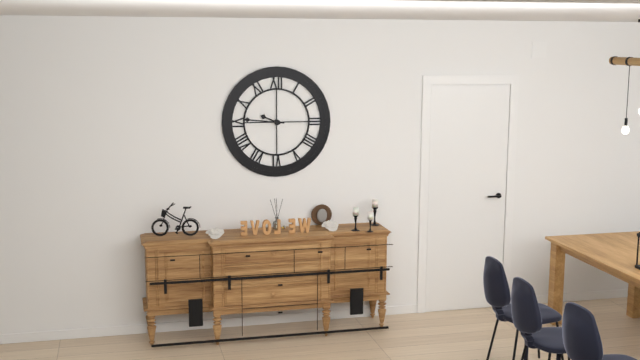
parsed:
9:46
